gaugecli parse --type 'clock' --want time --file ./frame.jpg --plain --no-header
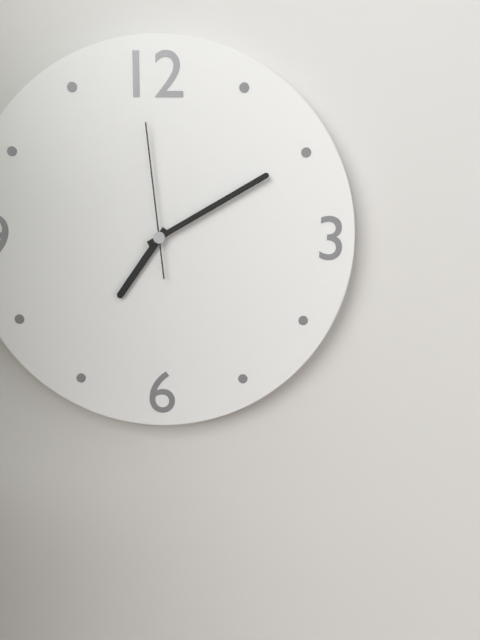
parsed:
7:10:59
